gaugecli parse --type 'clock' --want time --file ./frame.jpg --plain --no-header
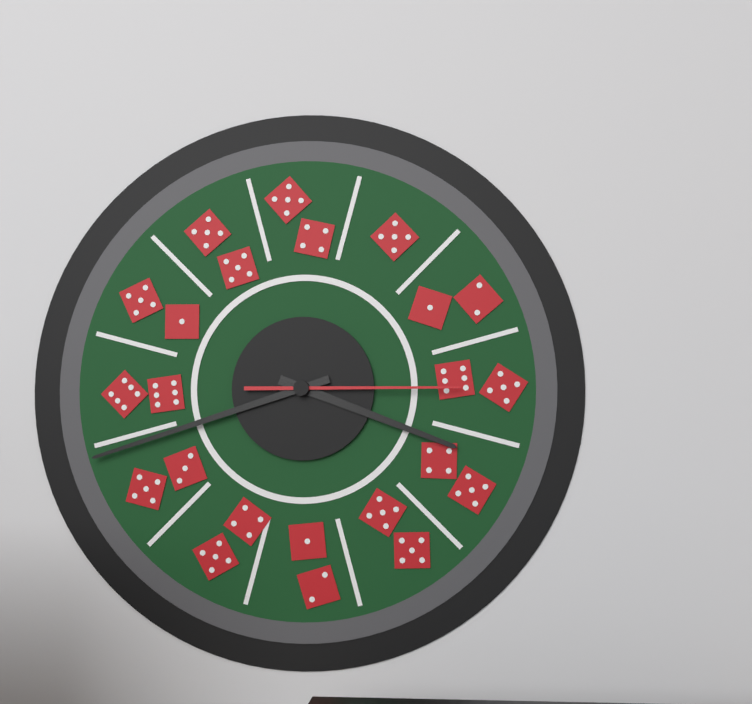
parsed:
3:42:15
